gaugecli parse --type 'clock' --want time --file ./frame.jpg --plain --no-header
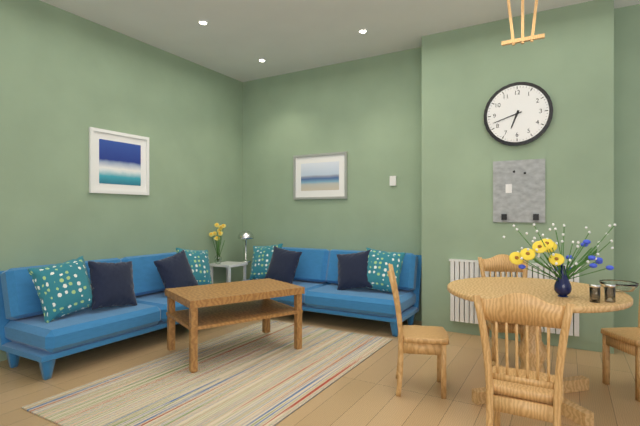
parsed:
6:42
